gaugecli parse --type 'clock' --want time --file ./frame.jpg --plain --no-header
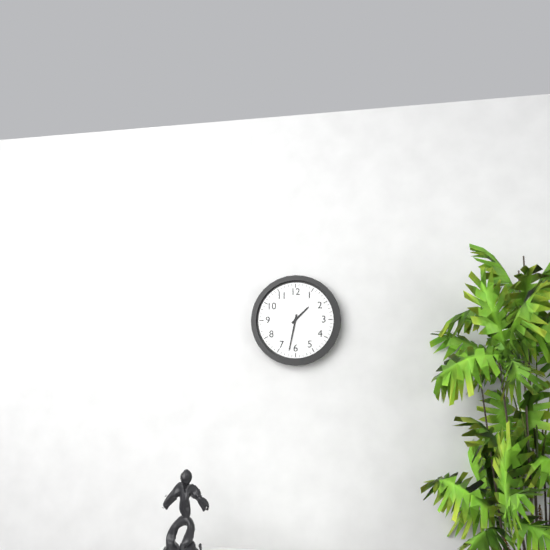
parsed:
1:32
